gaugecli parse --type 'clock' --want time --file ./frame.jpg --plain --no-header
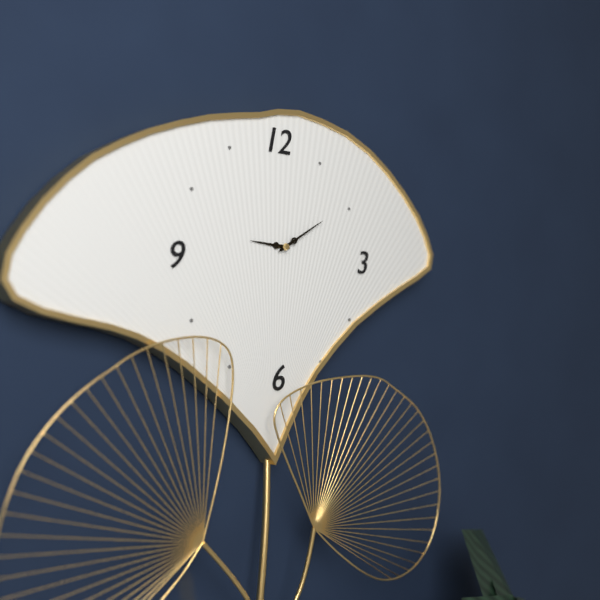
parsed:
9:10
